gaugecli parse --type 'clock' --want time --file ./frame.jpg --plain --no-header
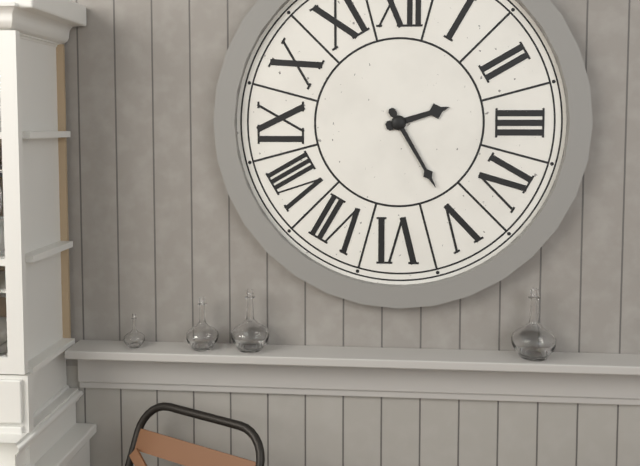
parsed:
2:25
